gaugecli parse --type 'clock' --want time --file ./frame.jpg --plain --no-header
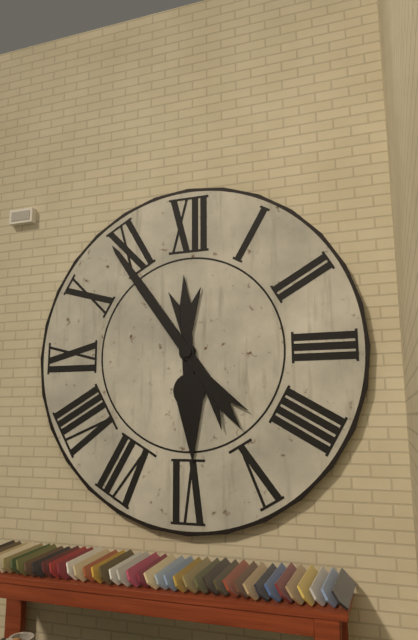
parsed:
5:54
